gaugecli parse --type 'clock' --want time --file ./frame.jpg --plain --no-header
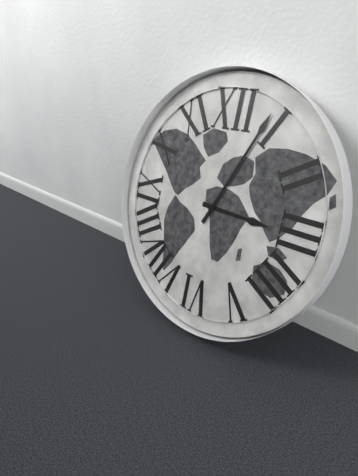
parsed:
3:04
